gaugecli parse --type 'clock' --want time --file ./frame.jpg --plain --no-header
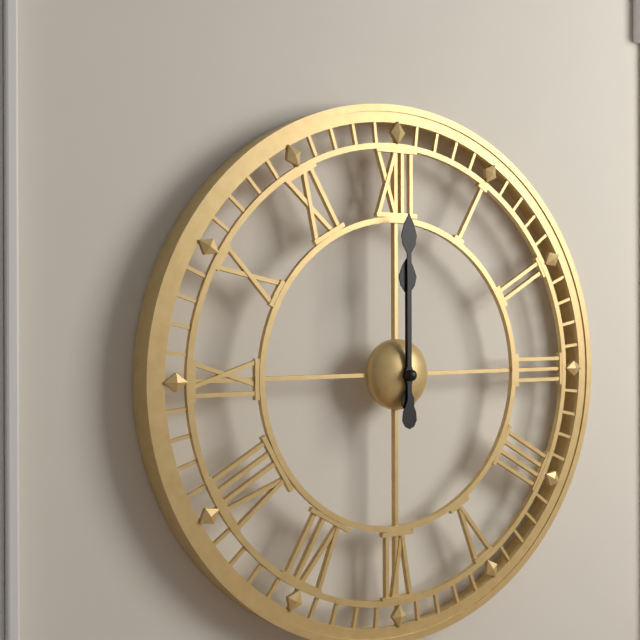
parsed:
12:00
